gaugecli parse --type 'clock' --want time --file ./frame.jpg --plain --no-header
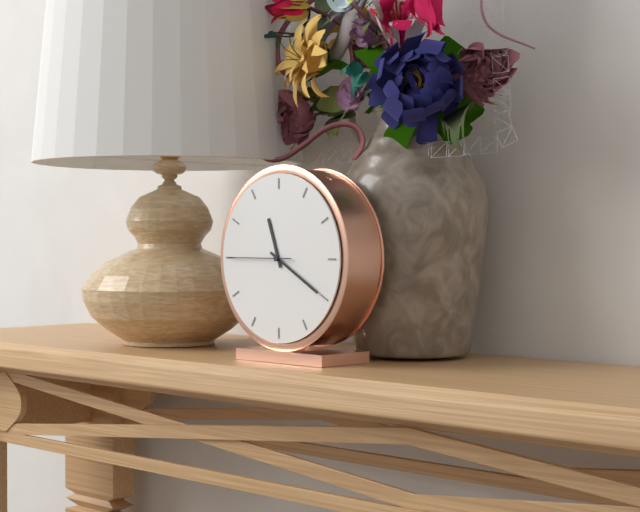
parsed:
11:20:45
